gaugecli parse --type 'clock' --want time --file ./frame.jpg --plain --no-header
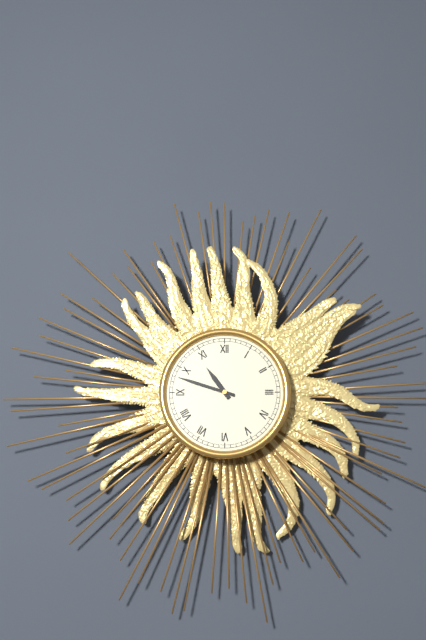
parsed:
10:48
